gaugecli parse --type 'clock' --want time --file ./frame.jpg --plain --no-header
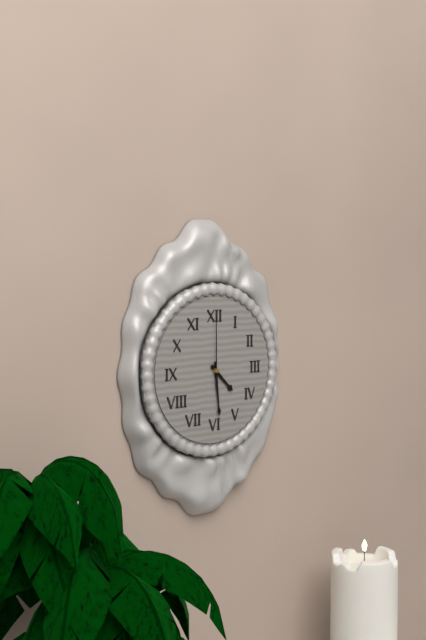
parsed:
4:29:00
